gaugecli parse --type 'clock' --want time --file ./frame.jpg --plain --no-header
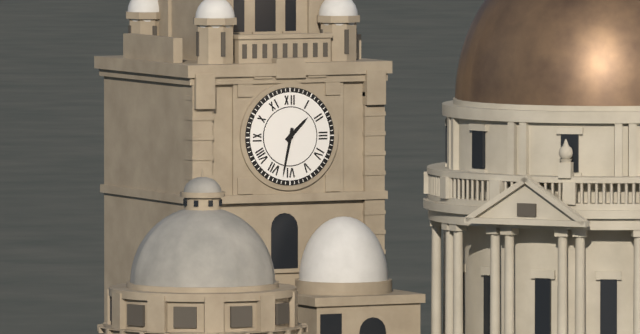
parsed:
1:32
